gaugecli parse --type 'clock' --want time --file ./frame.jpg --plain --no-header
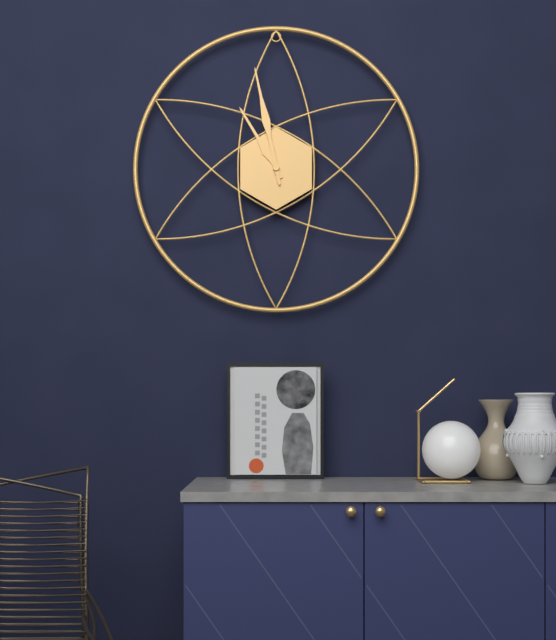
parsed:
10:58
